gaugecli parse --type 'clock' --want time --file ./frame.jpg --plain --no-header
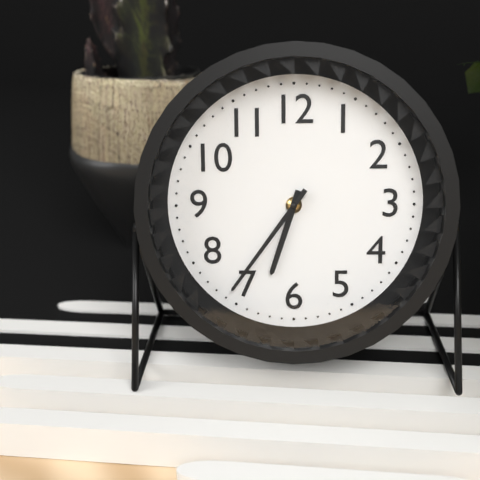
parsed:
6:36
